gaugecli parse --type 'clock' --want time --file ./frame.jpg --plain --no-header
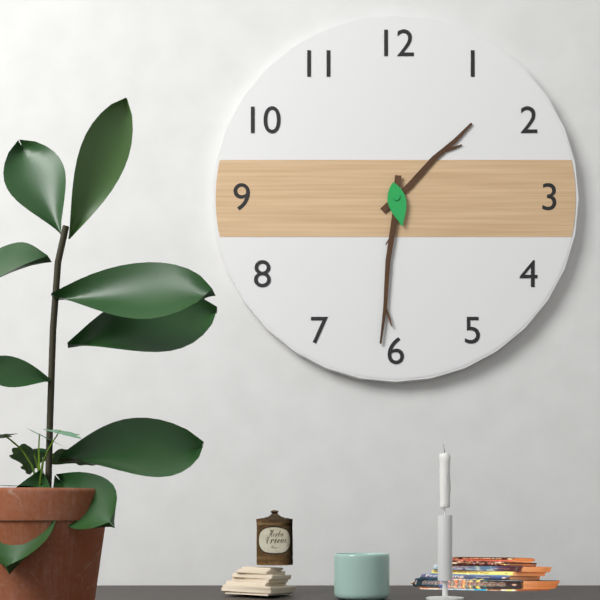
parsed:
1:31
